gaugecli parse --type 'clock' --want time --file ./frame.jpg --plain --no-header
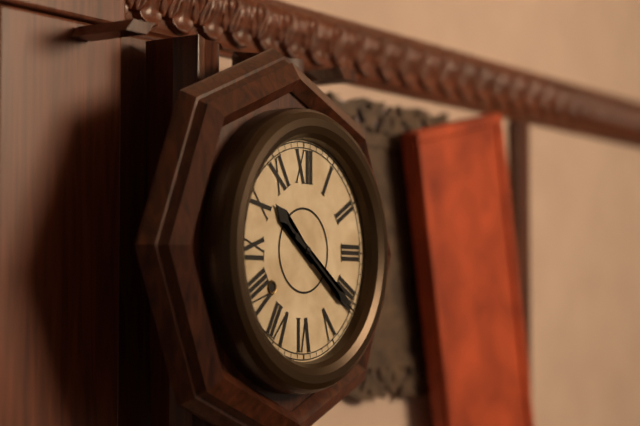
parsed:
10:21
